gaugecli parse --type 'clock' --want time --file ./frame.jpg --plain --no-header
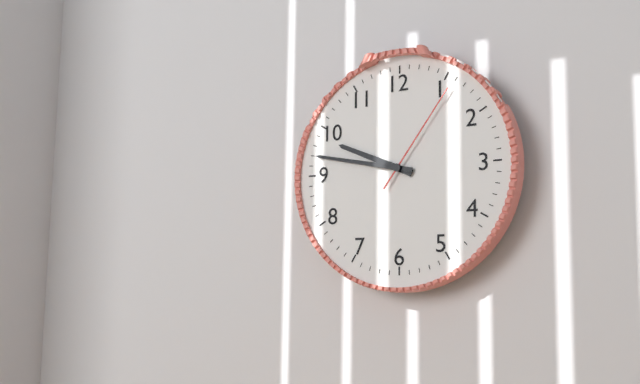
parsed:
9:47:06
